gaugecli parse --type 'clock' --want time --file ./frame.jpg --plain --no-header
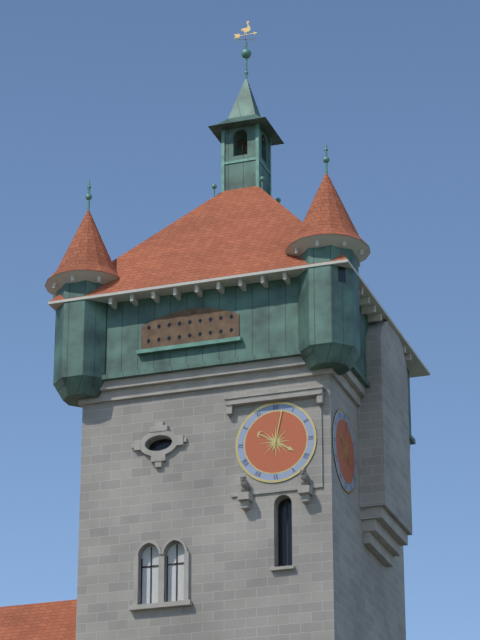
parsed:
4:02
